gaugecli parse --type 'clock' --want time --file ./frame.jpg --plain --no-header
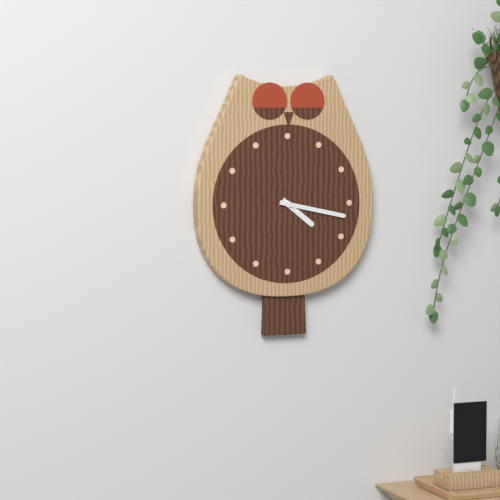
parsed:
4:17
